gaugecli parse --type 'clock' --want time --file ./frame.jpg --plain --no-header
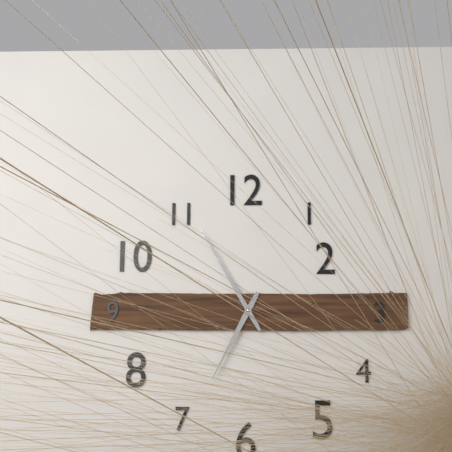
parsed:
6:55
